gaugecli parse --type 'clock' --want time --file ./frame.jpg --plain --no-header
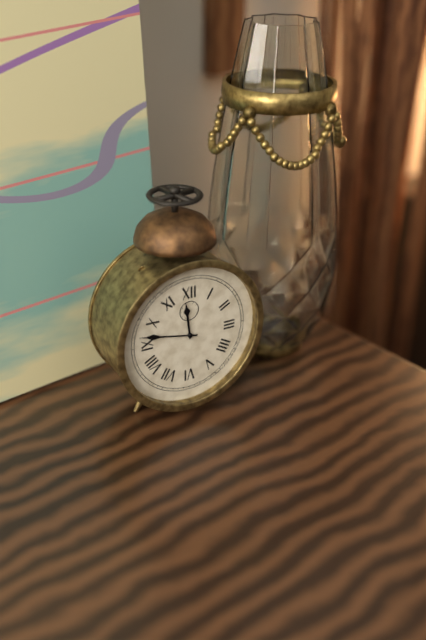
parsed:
11:47
